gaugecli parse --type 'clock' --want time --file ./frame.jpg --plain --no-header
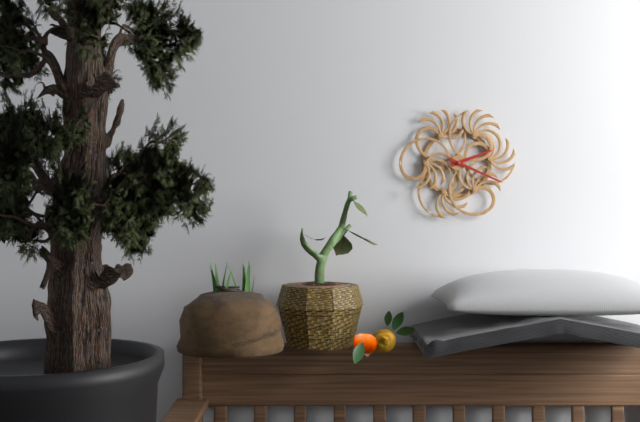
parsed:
2:19
